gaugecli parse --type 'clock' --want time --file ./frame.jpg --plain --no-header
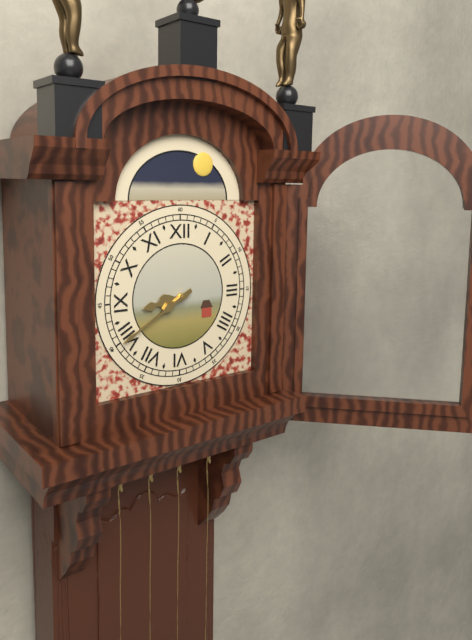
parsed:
8:40
